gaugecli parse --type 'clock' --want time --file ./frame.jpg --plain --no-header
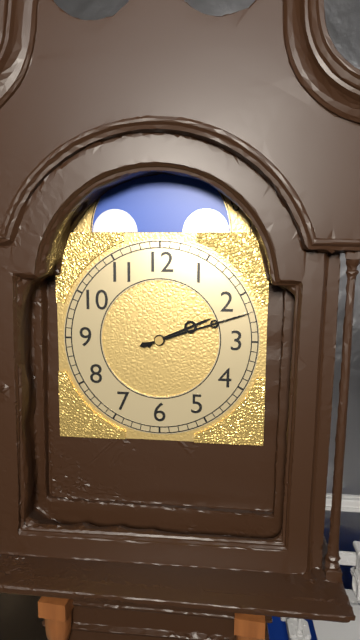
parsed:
2:12
